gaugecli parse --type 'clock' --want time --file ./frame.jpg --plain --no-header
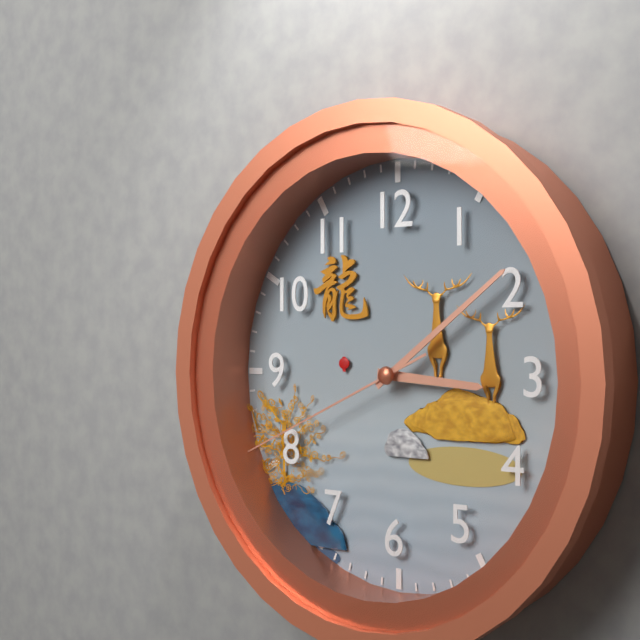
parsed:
3:09:41
